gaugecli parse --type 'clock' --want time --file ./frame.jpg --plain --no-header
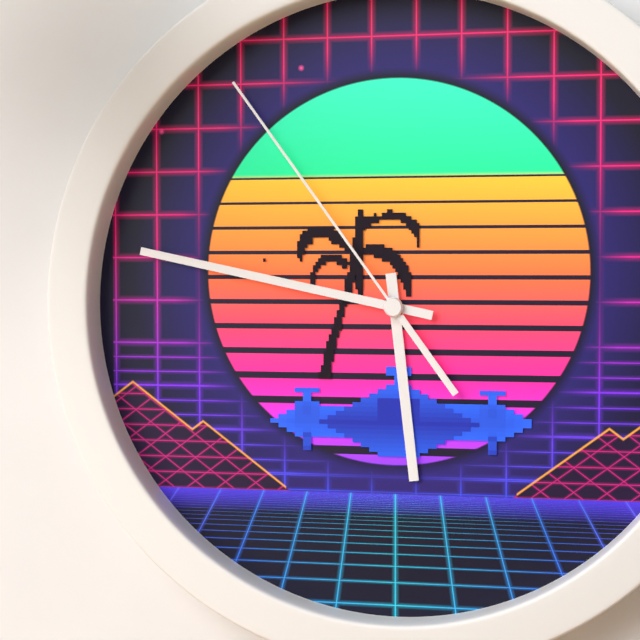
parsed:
5:47:54
